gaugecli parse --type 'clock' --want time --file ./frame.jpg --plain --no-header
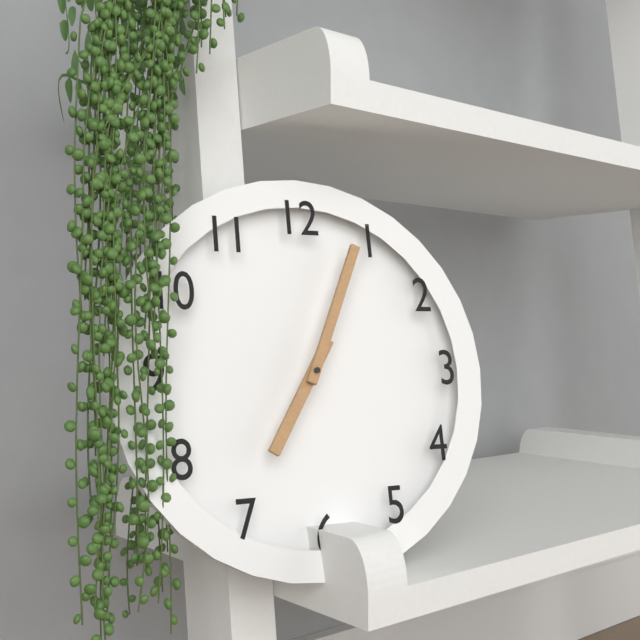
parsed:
7:04
